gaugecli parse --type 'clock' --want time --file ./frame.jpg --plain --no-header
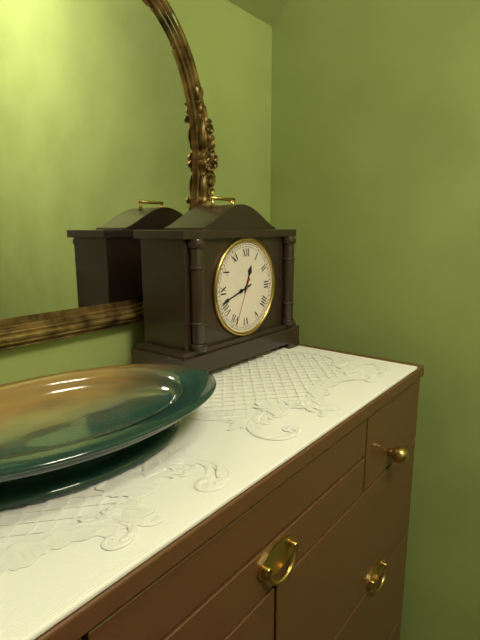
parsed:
12:42:34
